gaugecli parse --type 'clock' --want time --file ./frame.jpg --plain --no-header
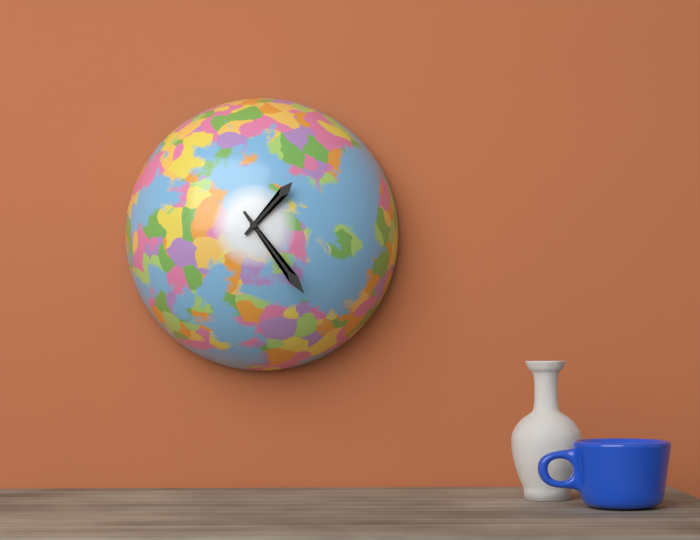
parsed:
1:24
